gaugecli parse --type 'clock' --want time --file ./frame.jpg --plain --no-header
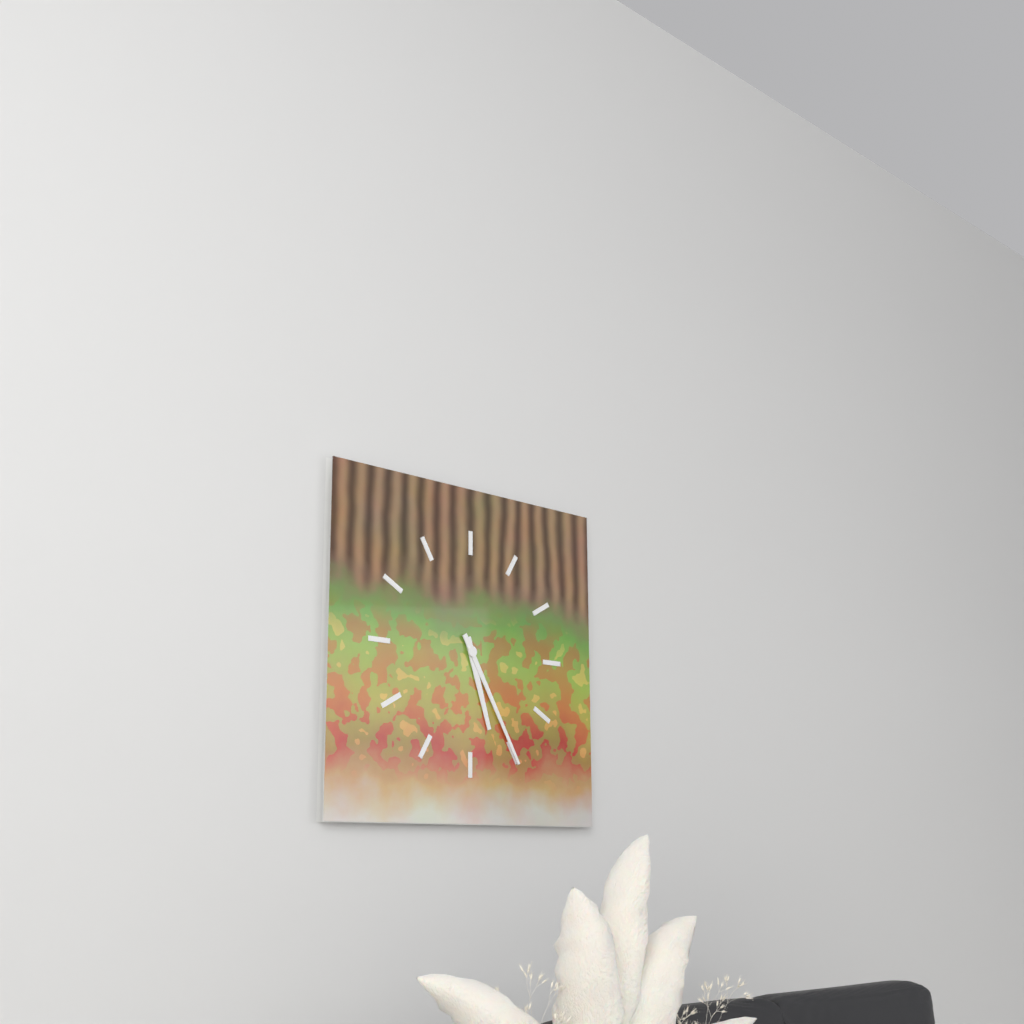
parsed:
5:25
